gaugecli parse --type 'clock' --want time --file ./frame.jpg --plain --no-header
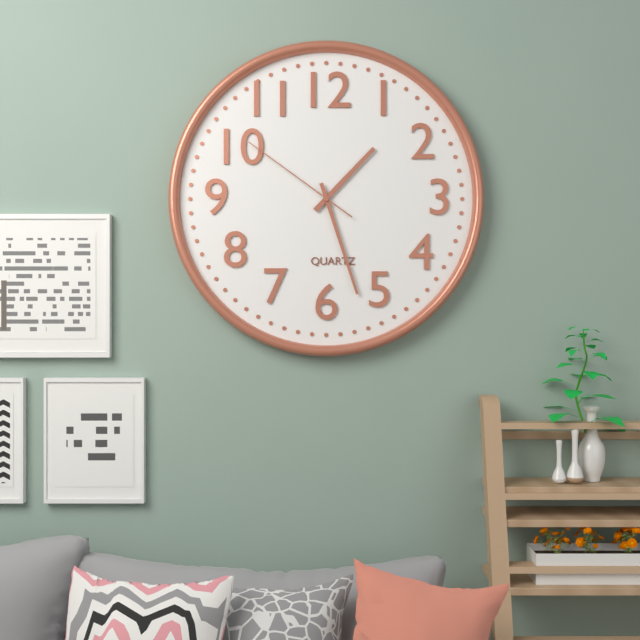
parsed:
1:27:51
